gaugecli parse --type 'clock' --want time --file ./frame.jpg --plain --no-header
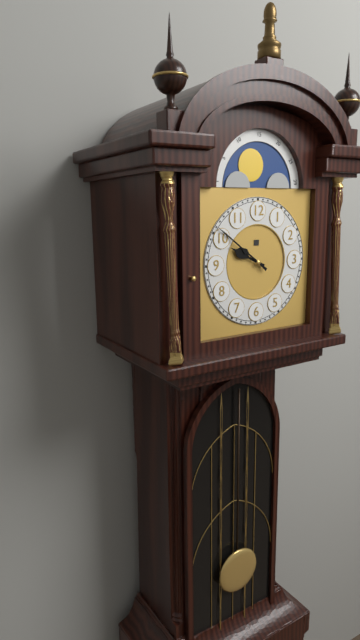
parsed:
9:51
